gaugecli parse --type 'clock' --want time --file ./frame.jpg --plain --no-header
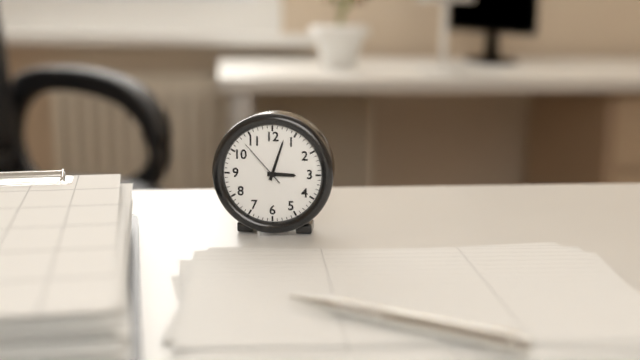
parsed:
3:03:53
